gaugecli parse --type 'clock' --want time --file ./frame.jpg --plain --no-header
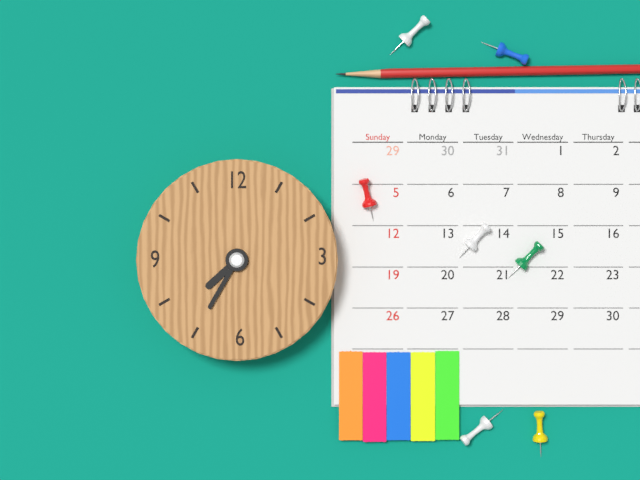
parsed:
7:35
